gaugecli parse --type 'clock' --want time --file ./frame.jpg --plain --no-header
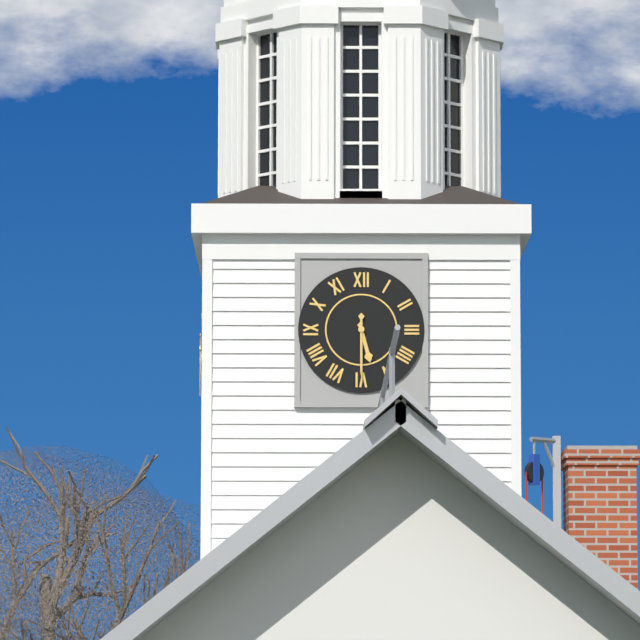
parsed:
5:30
